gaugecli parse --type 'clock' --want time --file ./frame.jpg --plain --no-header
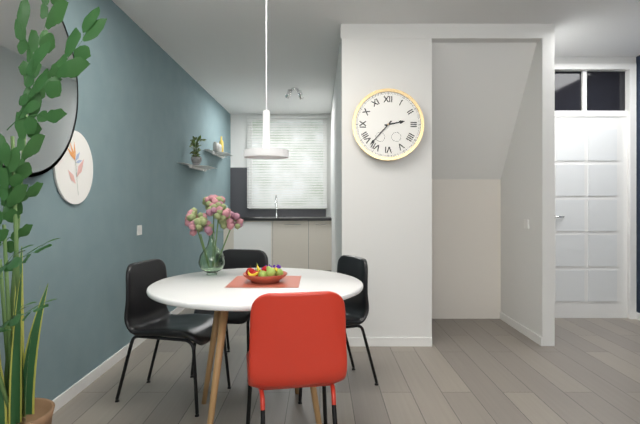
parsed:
2:37
